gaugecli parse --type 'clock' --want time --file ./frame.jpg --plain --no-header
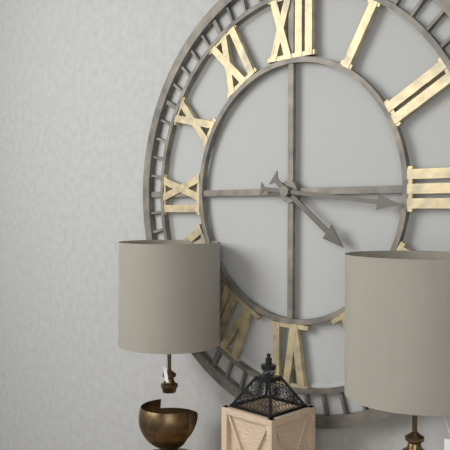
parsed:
4:16
